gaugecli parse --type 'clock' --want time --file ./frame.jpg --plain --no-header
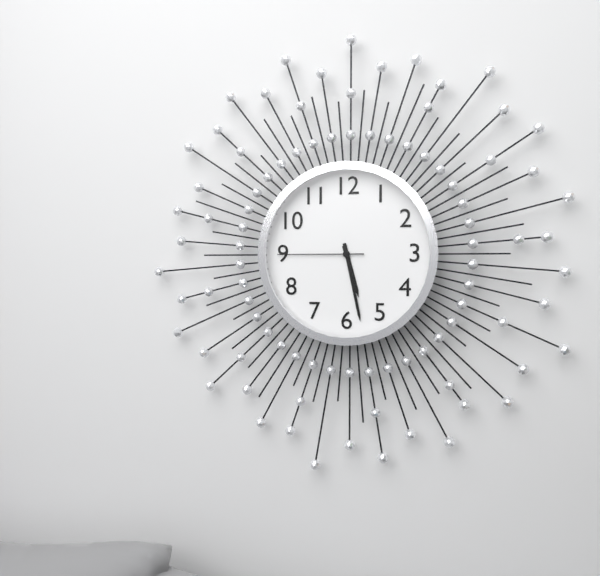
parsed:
5:28:45
